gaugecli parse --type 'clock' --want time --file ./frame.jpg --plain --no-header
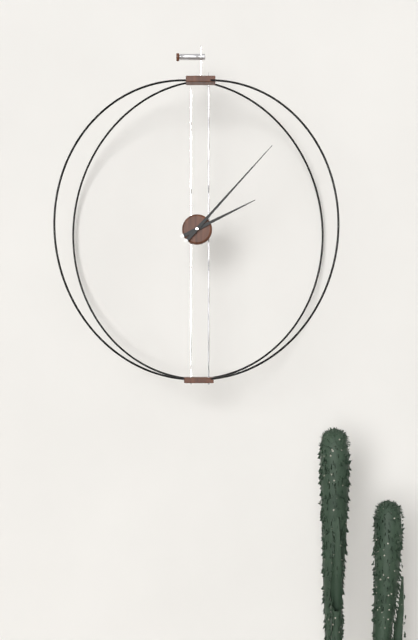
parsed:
2:07
